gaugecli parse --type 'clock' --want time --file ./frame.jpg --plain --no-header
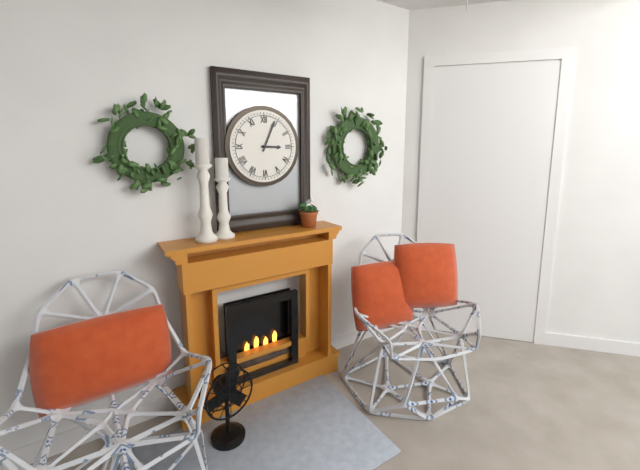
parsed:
3:04
